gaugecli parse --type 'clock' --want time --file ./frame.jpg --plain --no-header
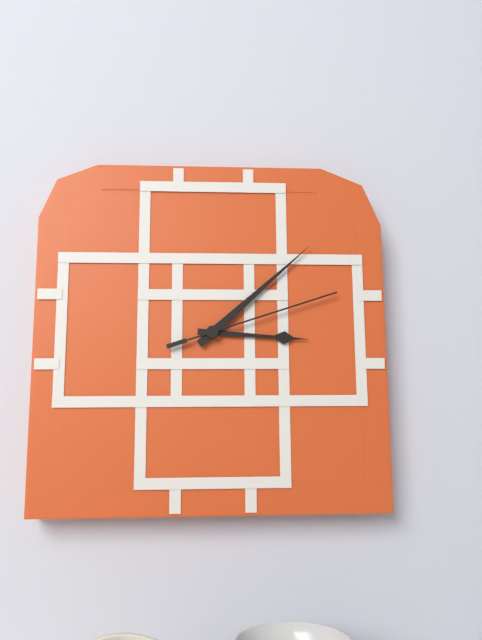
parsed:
3:08:12
